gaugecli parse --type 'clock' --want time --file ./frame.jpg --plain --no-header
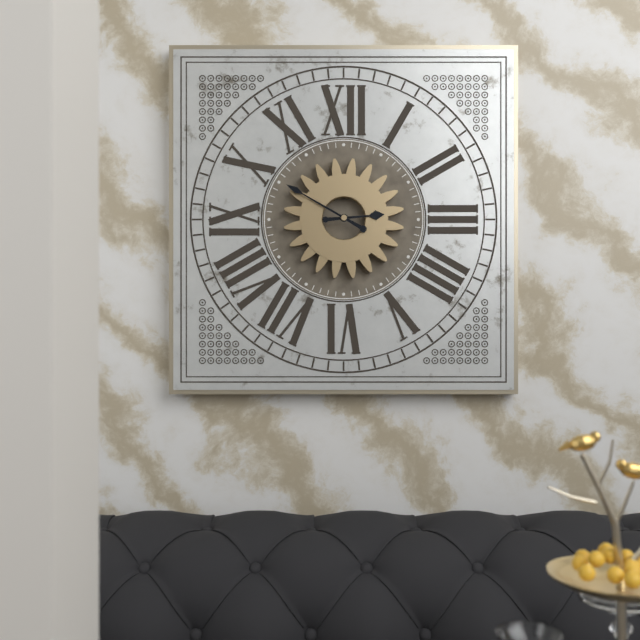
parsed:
2:50
